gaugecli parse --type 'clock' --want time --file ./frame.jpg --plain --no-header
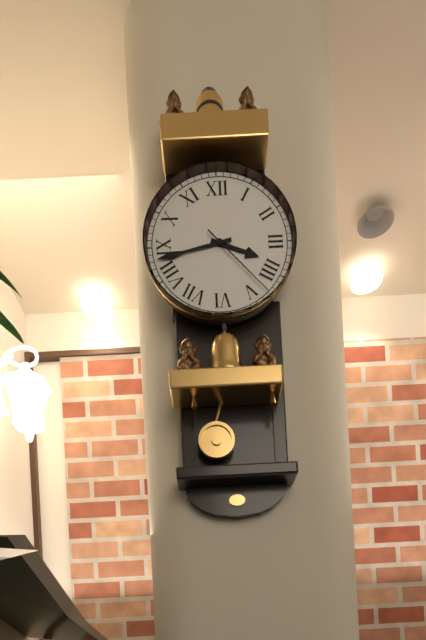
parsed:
3:43:23
